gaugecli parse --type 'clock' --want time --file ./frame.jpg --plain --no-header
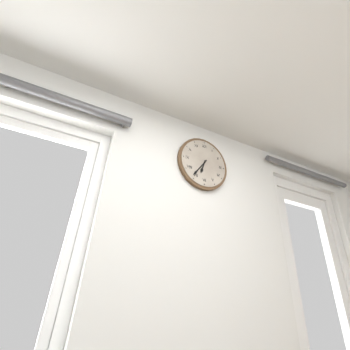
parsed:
6:36
